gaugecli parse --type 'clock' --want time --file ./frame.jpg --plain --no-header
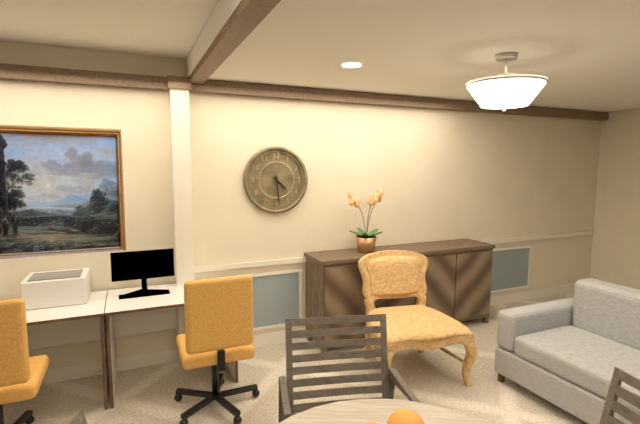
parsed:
4:29
